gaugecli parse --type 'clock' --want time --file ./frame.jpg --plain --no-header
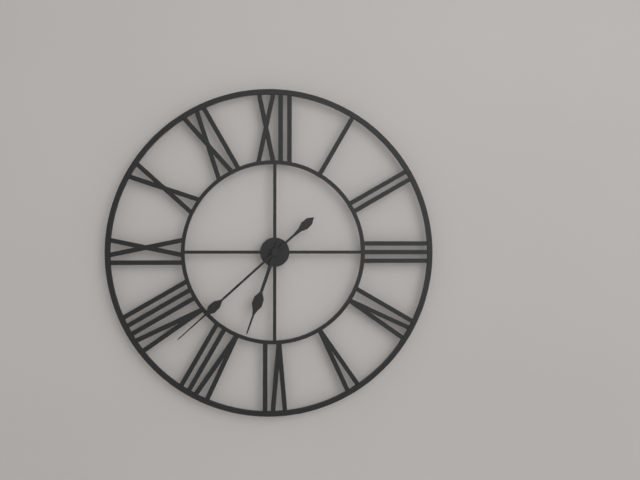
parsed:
6:38
